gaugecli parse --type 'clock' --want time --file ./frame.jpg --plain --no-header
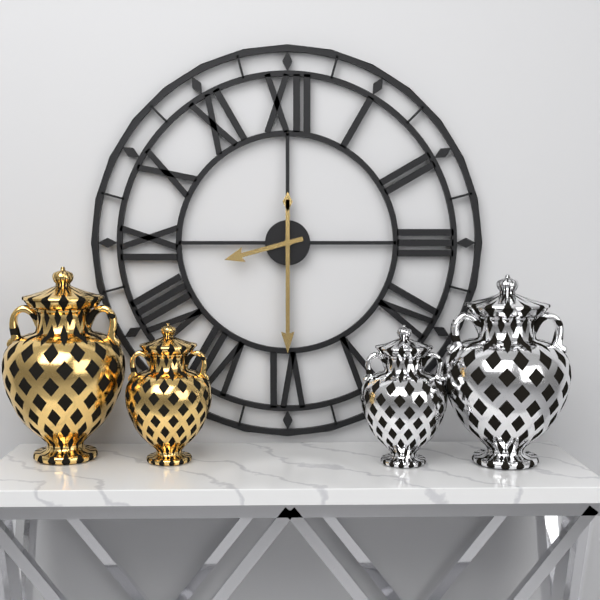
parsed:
8:30
